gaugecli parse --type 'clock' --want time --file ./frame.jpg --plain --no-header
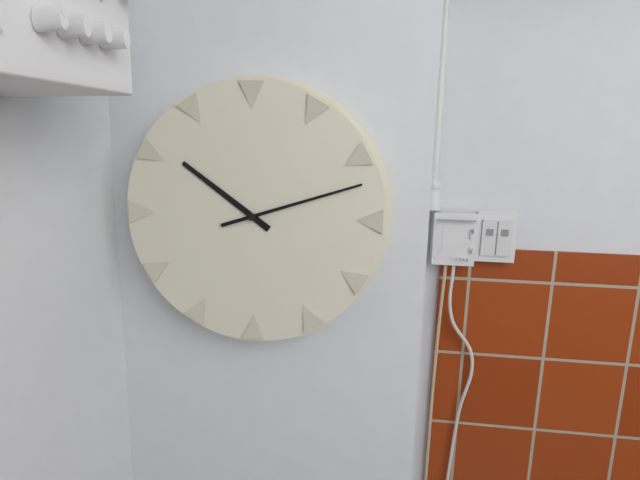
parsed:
10:12
